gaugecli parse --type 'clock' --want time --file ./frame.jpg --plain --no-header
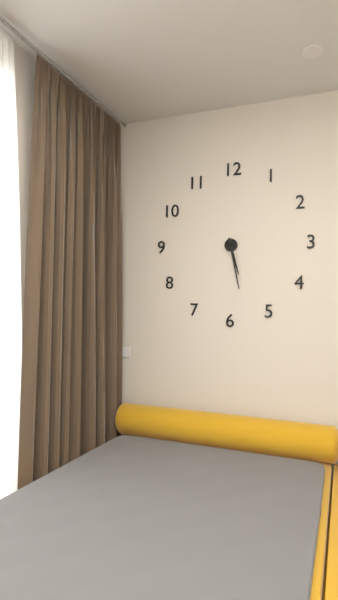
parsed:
5:28
